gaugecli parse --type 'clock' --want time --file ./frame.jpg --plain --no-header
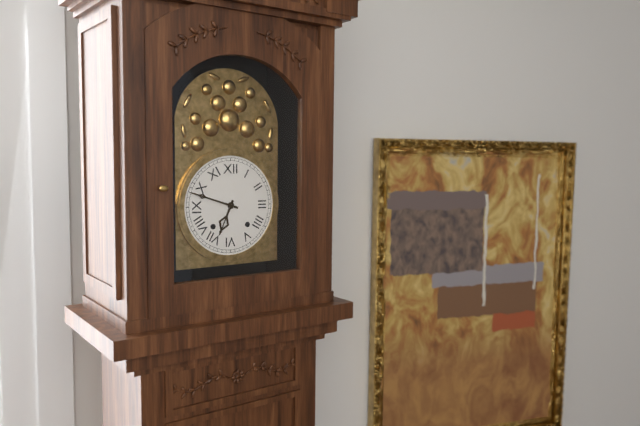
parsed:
6:48
